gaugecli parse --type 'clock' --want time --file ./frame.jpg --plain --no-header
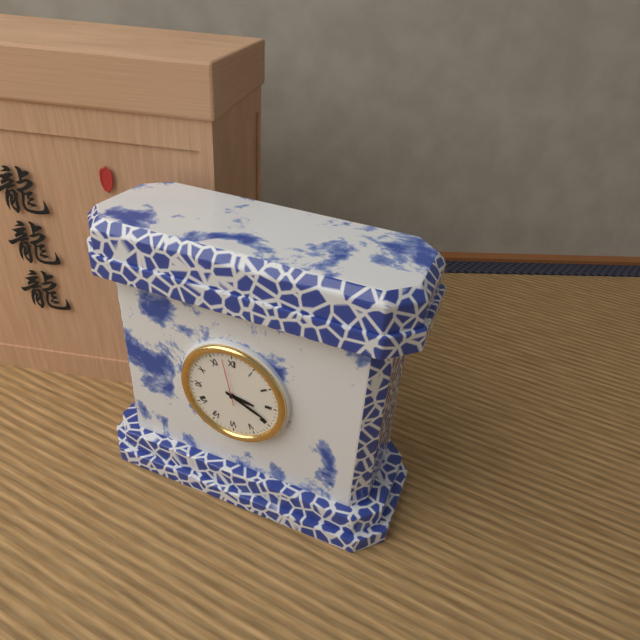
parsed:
3:19
